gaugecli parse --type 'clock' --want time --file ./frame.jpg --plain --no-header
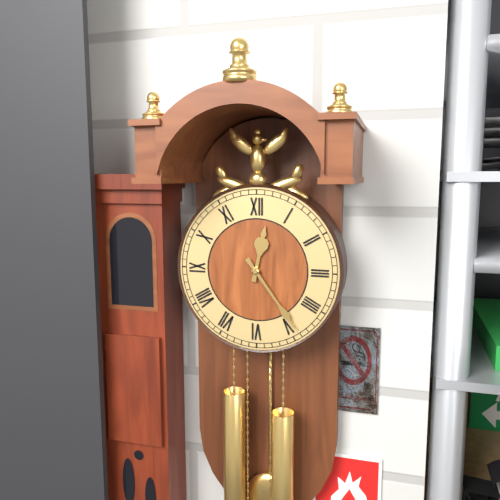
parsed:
12:24
